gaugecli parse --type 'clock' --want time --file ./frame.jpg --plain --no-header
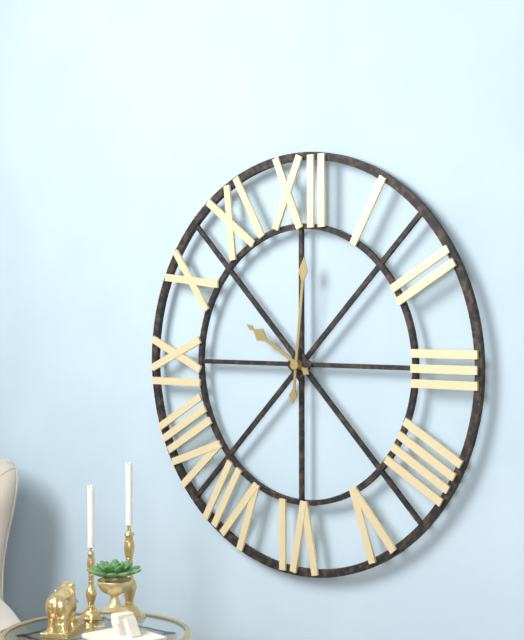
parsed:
10:01
